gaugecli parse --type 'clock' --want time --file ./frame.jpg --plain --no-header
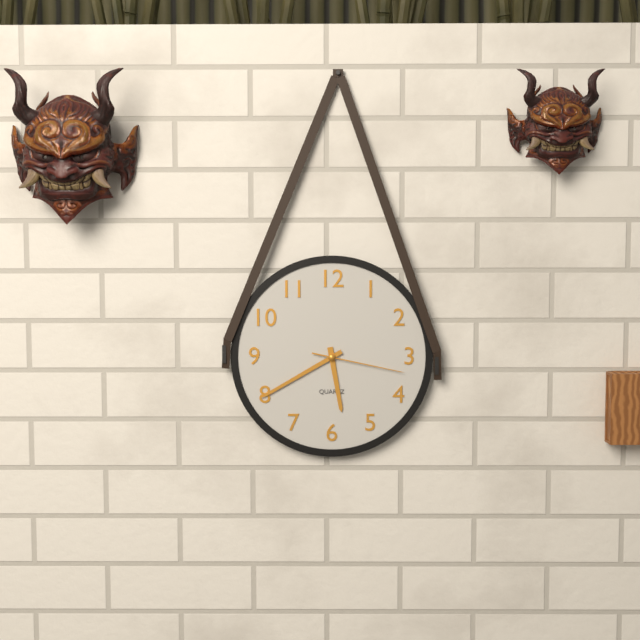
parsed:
5:40:17
